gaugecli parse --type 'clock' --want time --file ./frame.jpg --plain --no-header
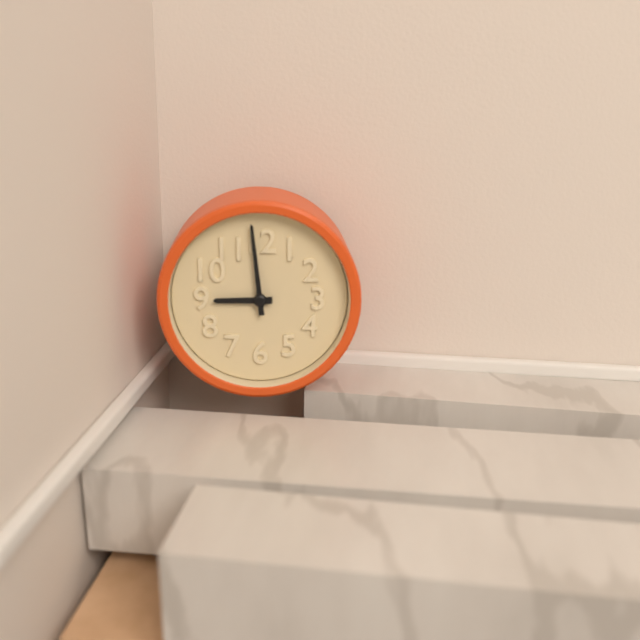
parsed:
8:59
